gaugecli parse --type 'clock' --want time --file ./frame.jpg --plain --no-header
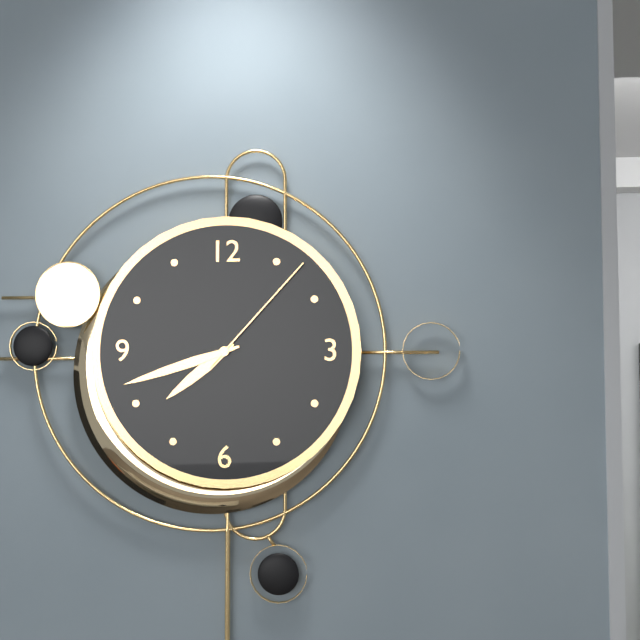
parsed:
7:42:07
